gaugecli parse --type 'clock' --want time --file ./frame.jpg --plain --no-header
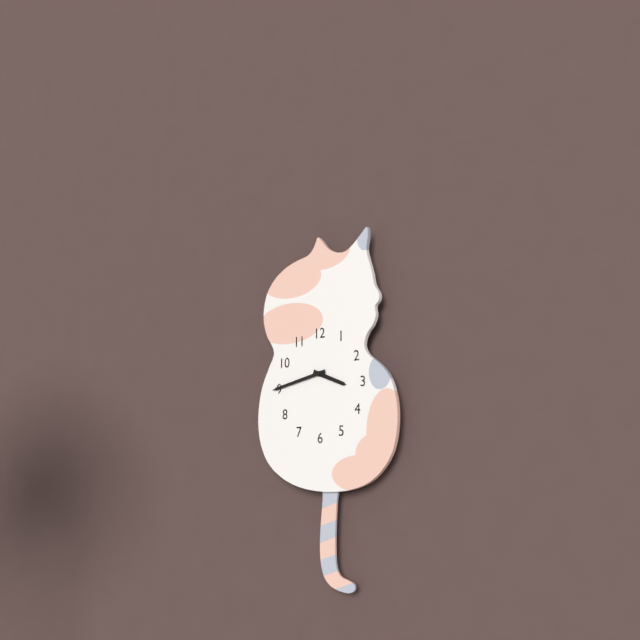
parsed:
3:43
